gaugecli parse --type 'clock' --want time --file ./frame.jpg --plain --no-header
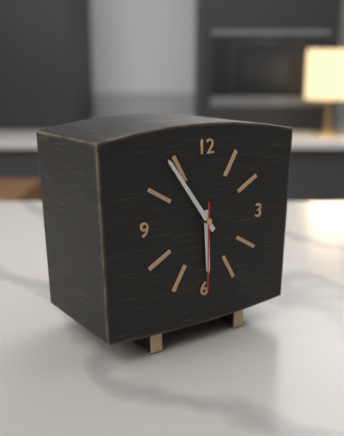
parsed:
5:54:30
